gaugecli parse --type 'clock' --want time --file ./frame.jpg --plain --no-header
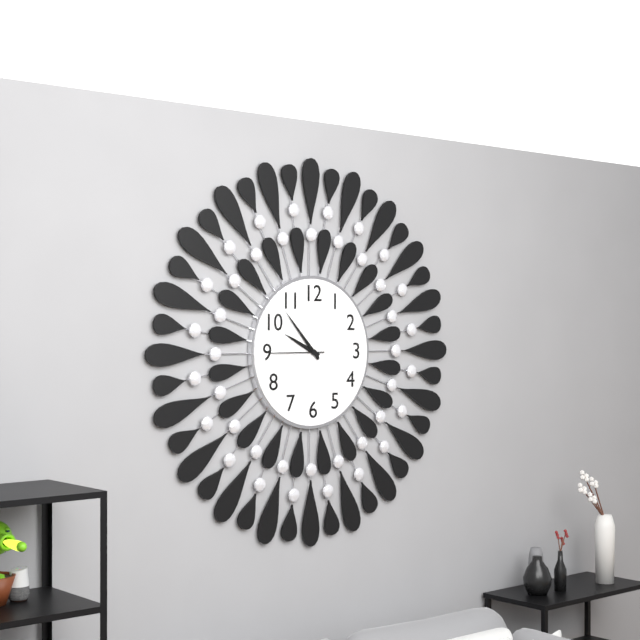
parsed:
9:53
